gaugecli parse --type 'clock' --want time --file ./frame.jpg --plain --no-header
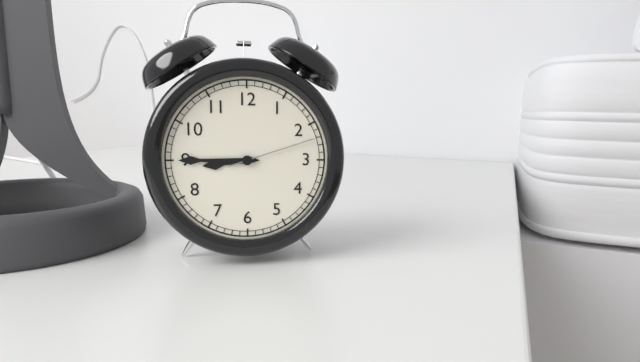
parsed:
8:45:12
